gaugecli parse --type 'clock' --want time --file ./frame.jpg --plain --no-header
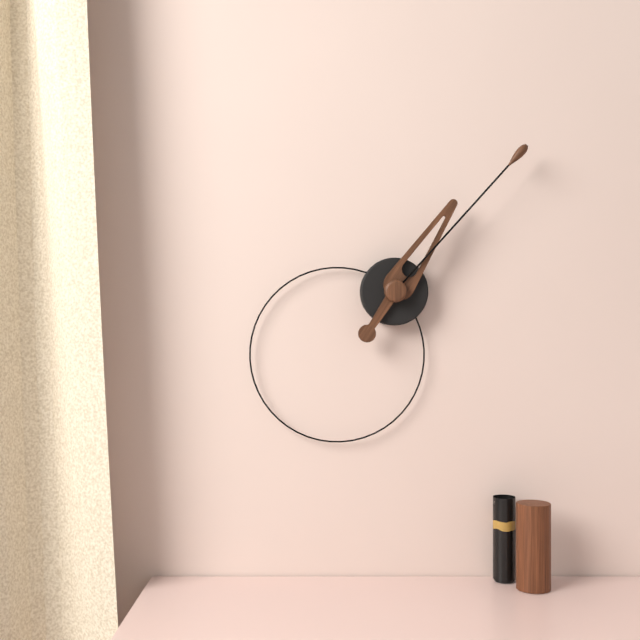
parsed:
1:07
